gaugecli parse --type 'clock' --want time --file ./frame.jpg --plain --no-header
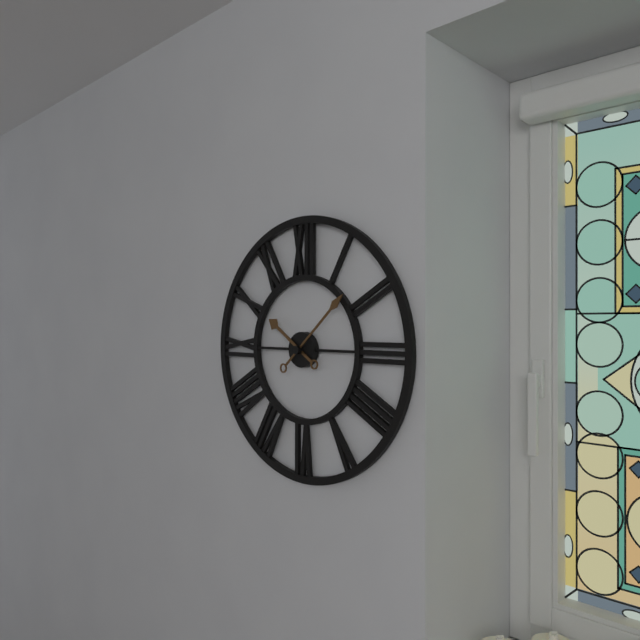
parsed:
10:08
